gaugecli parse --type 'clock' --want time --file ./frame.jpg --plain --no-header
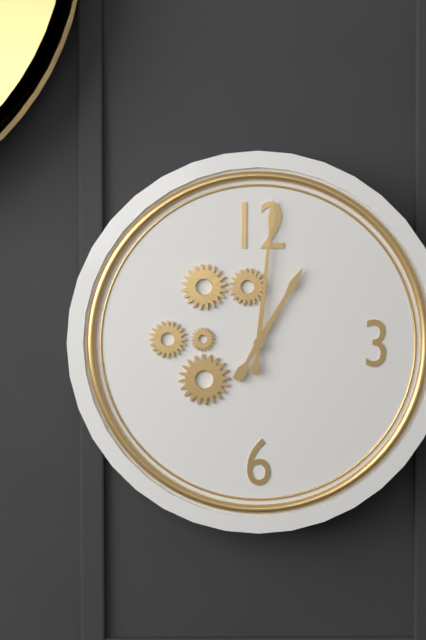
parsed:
1:01
